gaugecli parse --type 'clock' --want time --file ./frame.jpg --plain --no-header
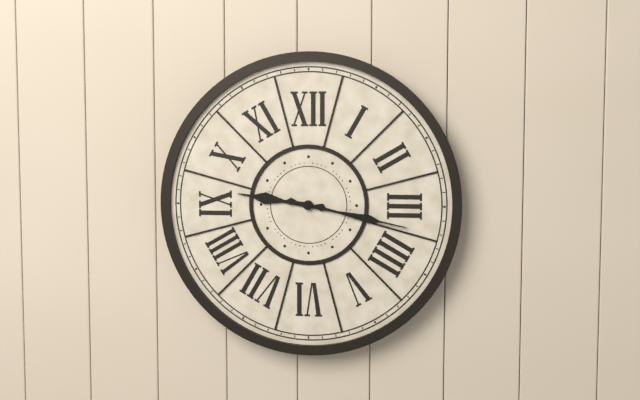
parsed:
9:17
